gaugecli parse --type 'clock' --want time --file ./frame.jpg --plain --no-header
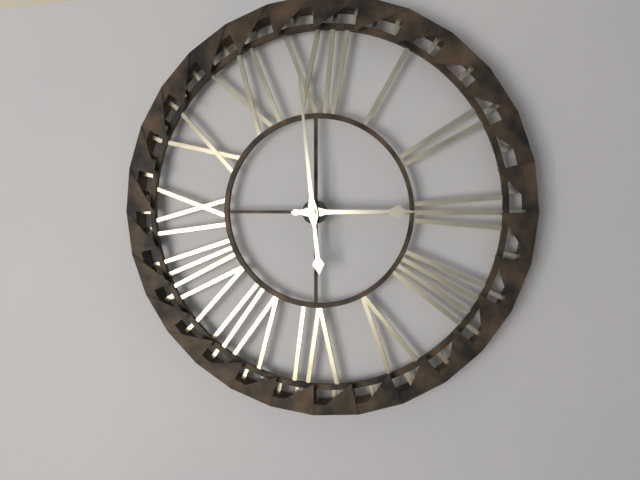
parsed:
2:59
